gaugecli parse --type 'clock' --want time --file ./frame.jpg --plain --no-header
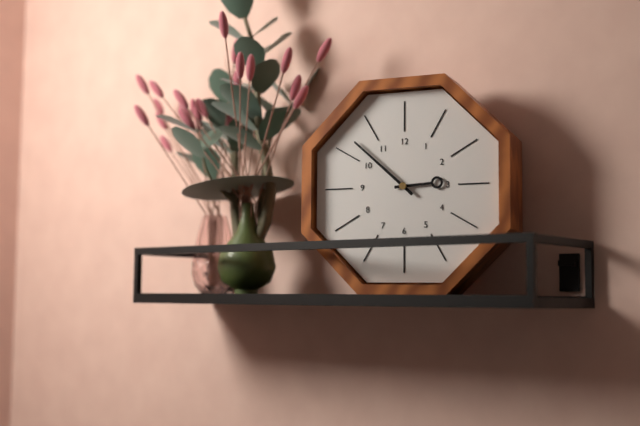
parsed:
2:52
